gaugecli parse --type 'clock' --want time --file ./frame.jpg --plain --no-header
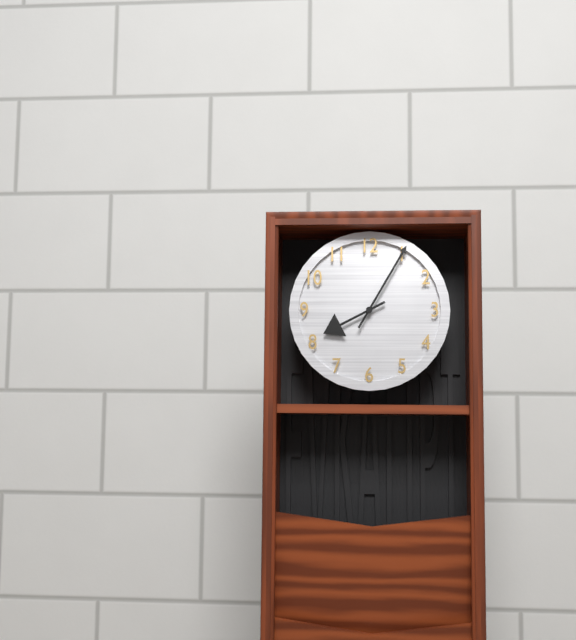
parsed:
8:05
